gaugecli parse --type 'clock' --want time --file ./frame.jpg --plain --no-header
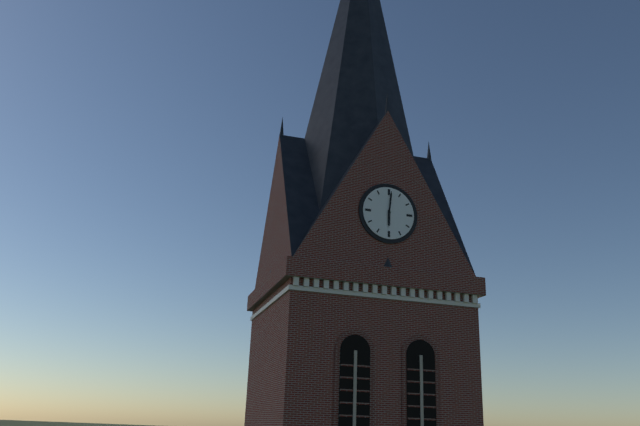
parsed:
6:01
